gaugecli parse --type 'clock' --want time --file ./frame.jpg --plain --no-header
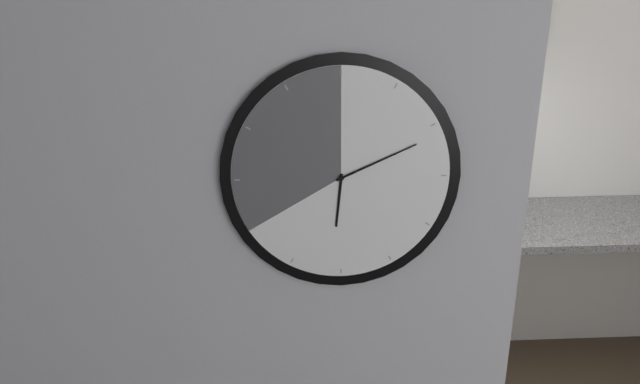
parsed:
6:11
